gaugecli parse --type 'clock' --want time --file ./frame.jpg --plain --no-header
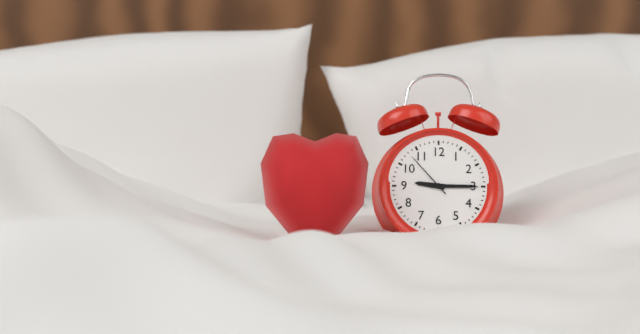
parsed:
9:15:53
